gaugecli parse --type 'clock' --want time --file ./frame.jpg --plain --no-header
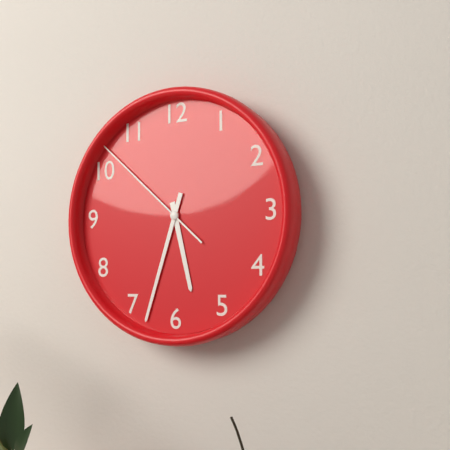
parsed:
5:33:52
